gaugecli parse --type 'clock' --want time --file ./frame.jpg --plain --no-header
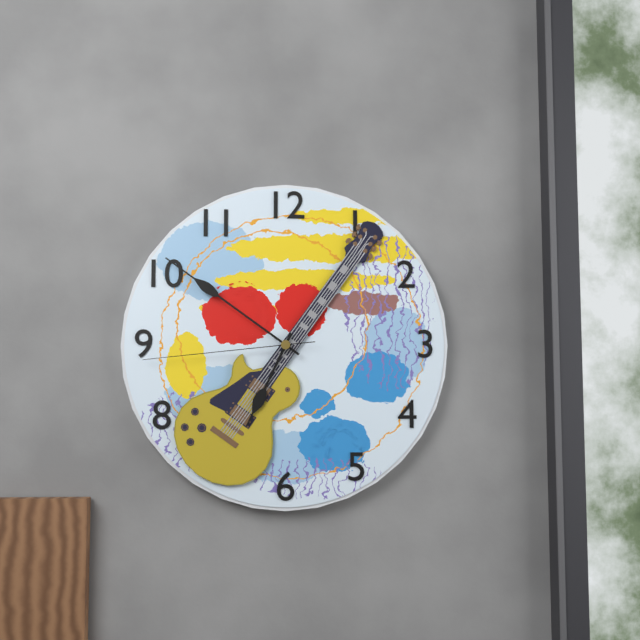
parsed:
6:51:44
